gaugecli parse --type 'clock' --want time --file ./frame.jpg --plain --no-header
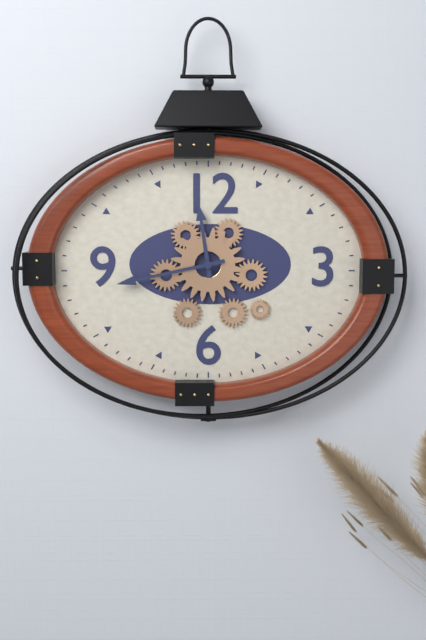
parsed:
11:43
